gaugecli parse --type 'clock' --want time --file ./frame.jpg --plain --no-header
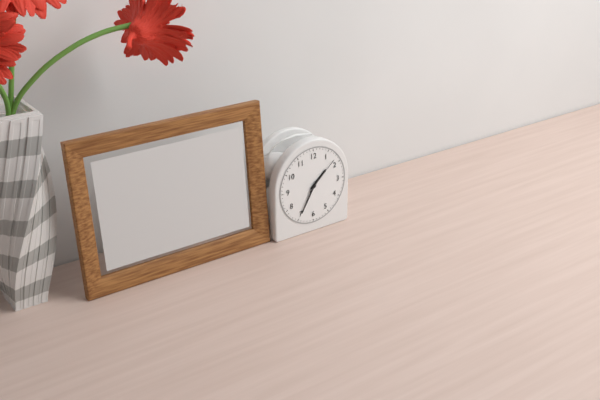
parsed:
1:35
